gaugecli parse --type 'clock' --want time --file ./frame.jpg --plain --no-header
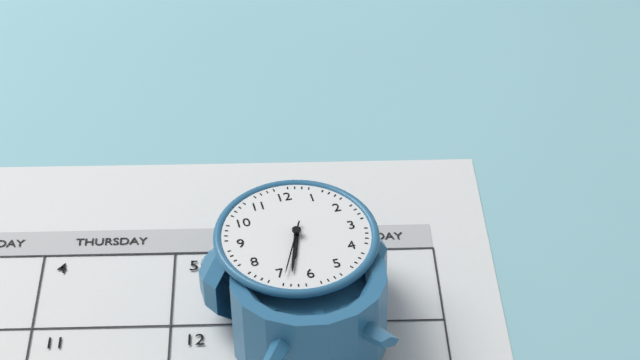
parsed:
6:33:34
